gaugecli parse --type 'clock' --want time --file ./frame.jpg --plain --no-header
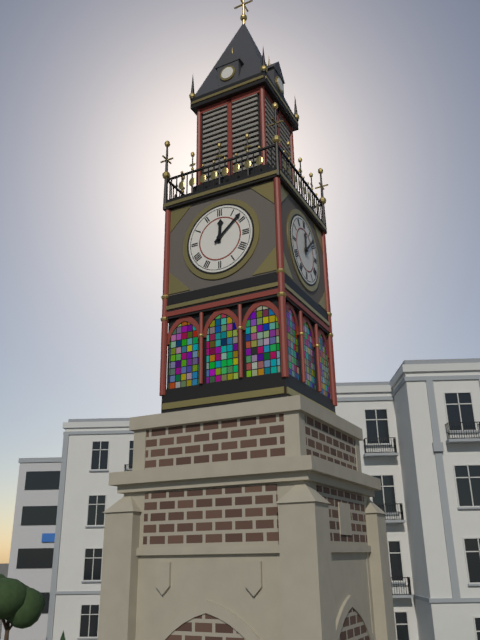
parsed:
12:08
